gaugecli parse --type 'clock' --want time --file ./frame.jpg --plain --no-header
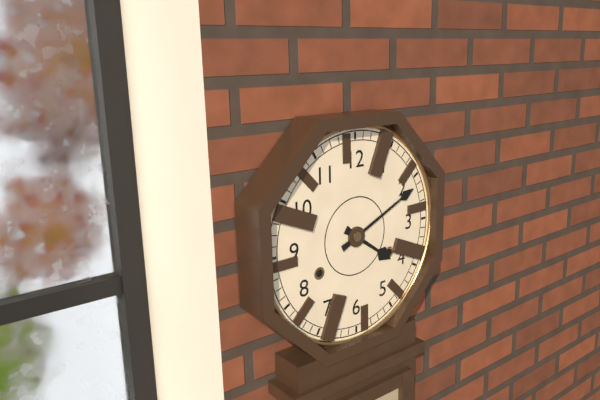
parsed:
4:11
